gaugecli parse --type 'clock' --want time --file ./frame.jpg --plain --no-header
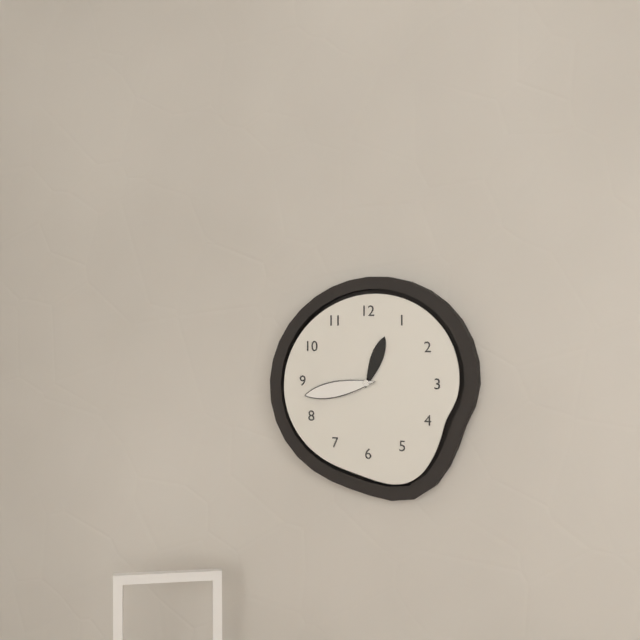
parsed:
12:43
